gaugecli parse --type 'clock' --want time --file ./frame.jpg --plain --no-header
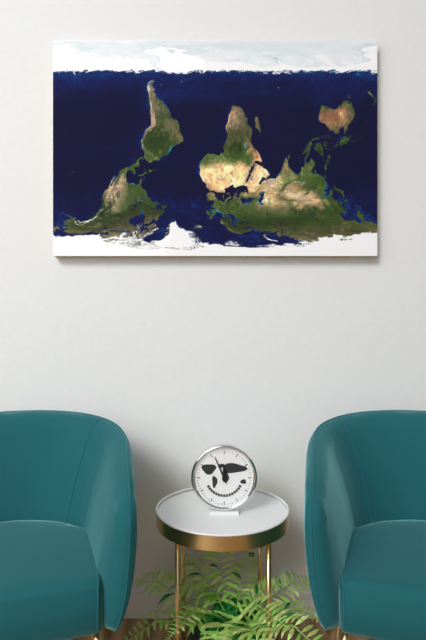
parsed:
11:56
